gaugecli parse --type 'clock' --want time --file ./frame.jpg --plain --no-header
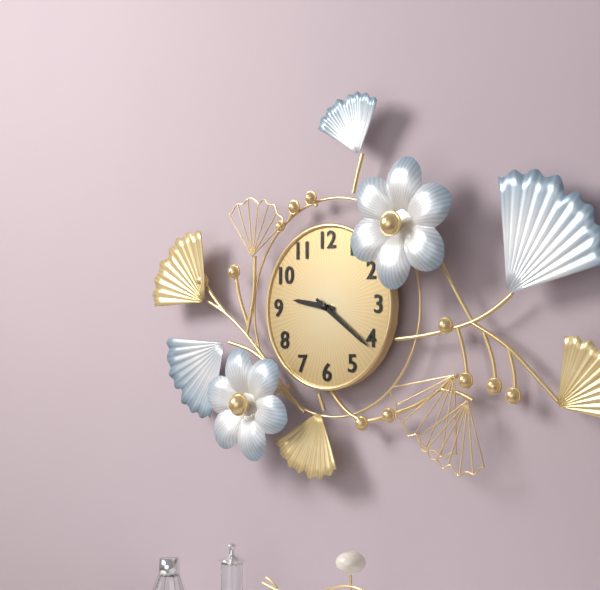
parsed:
9:21
